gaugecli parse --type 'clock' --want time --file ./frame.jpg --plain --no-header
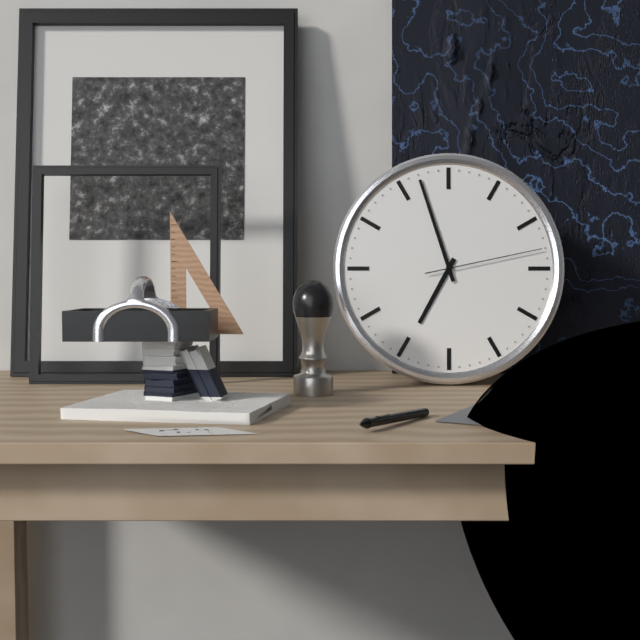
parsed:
6:57:13
